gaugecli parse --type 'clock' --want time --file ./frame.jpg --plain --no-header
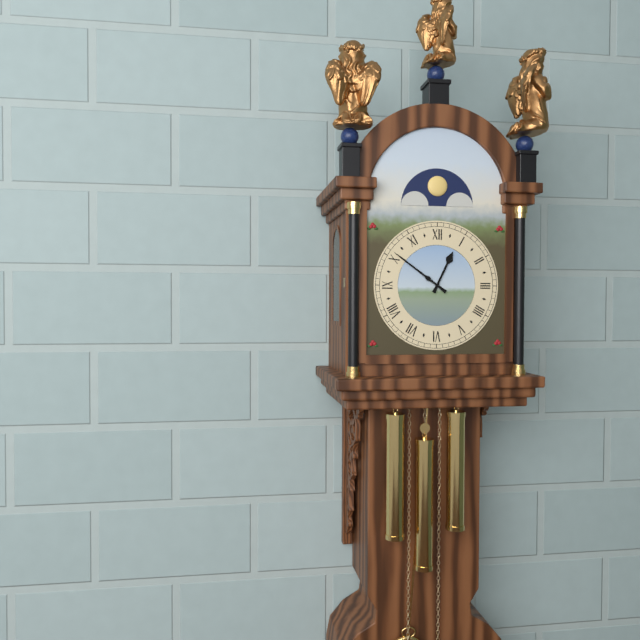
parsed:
12:51
